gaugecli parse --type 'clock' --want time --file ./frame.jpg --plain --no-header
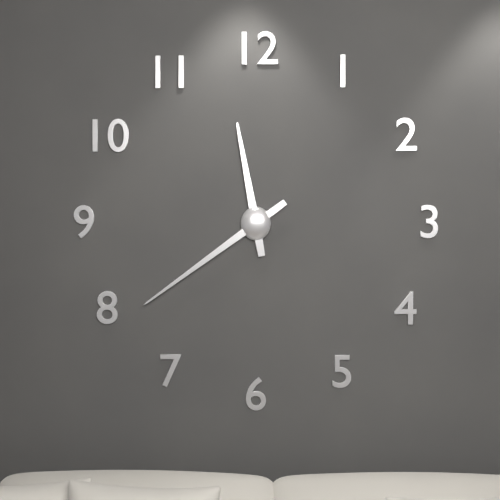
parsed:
11:39
